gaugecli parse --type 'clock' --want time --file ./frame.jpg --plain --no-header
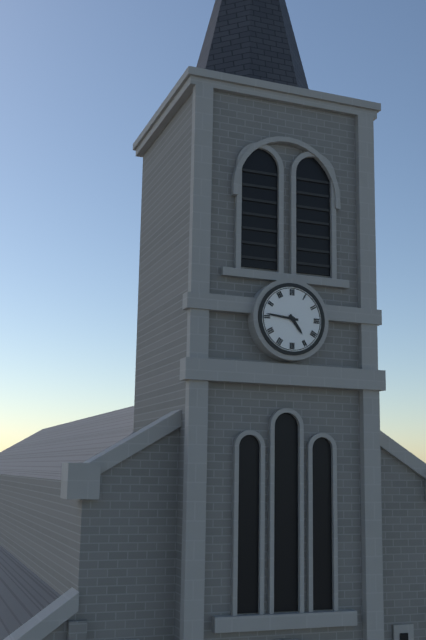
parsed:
4:46
